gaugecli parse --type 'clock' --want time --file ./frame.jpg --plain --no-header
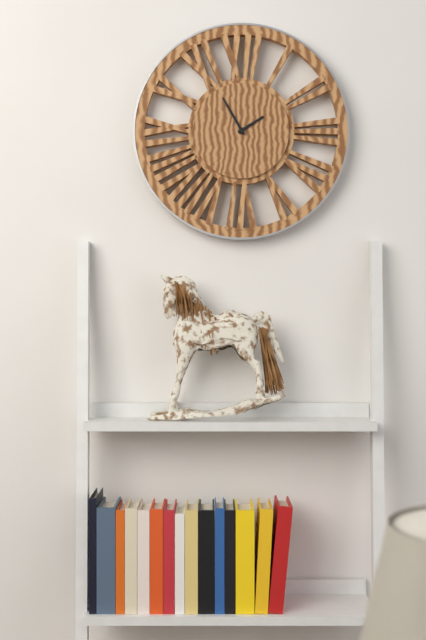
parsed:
1:55
